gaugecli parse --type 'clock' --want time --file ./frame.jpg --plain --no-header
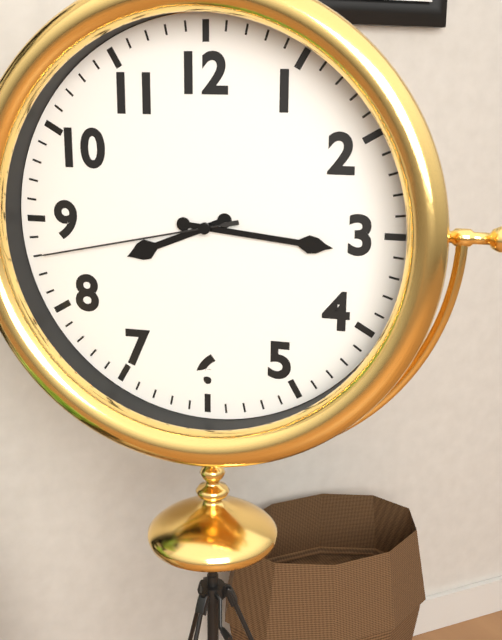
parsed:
8:16:43
